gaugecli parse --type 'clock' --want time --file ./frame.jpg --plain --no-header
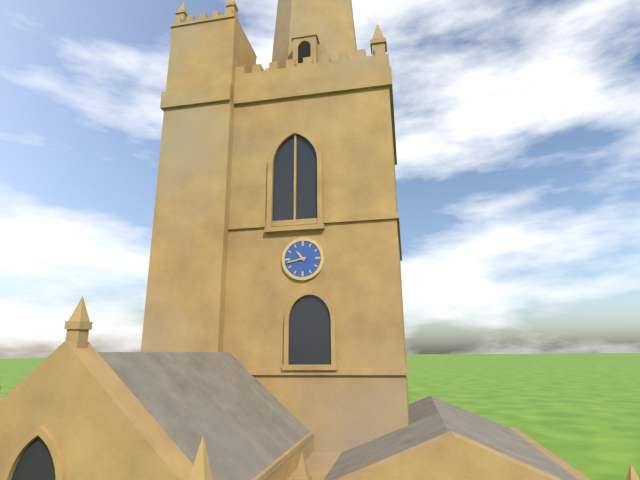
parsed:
10:43
